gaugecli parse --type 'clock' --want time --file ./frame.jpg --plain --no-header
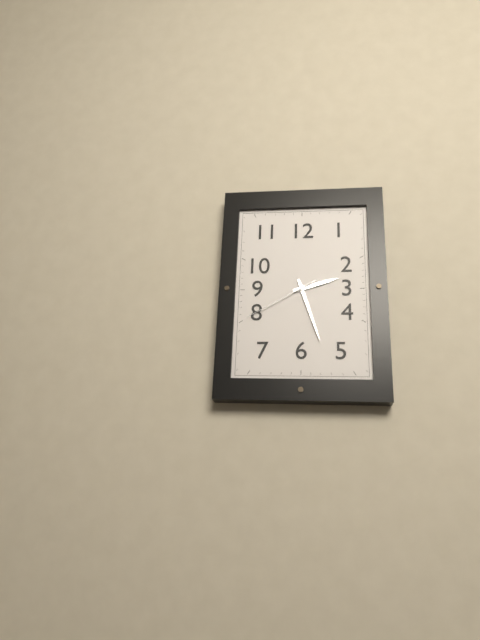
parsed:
2:27:40
